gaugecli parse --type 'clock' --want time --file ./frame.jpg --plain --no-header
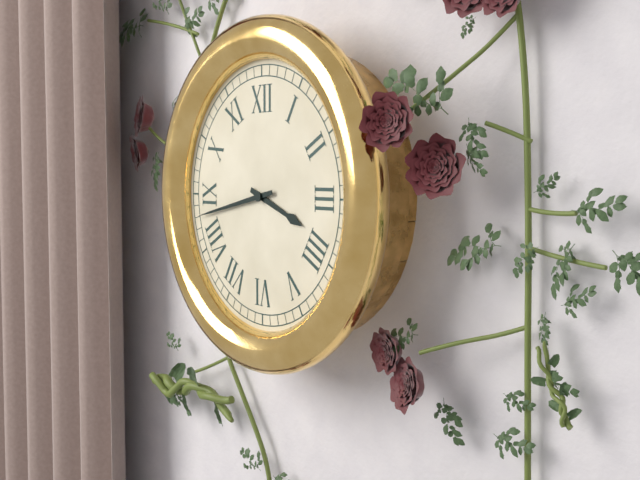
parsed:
3:43
